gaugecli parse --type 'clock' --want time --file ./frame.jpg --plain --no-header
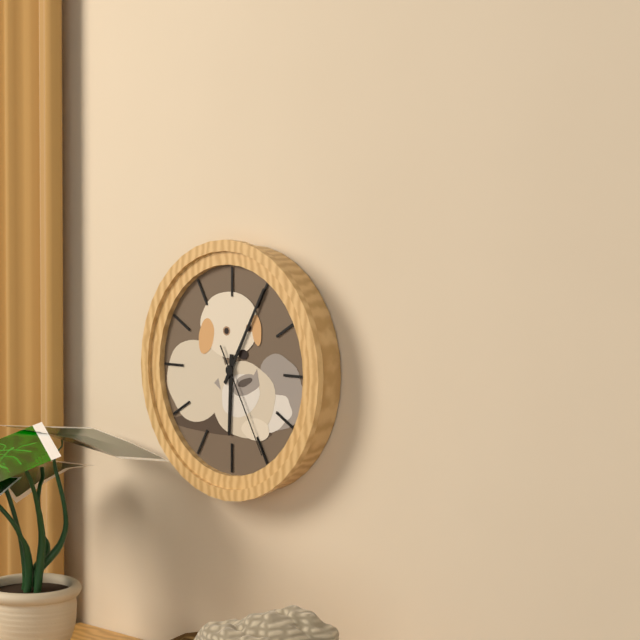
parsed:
6:05:25
